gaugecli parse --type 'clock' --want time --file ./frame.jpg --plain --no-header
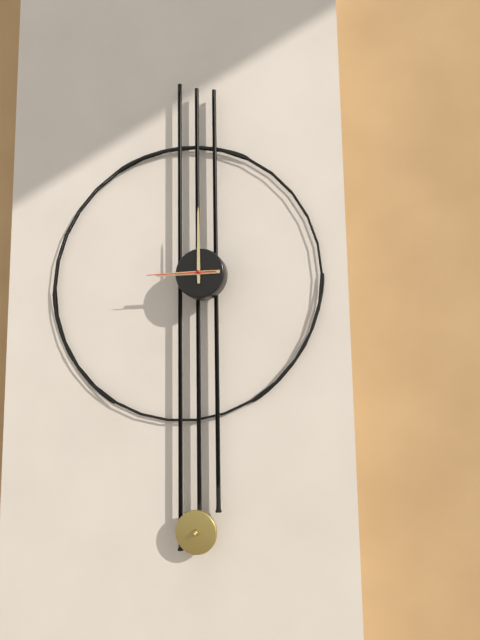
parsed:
9:00:45
